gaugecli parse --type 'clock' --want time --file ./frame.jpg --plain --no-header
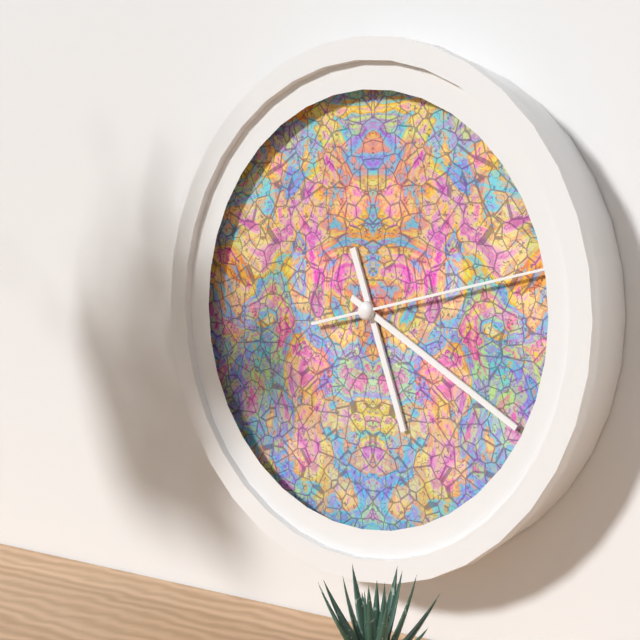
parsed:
5:20:13
